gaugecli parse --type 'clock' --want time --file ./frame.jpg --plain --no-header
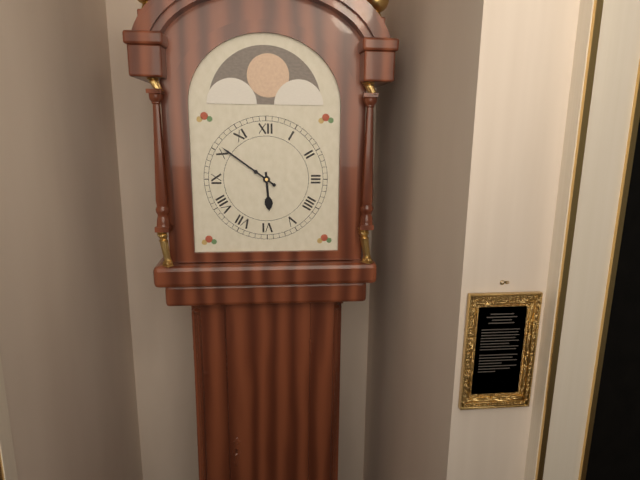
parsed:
5:51
